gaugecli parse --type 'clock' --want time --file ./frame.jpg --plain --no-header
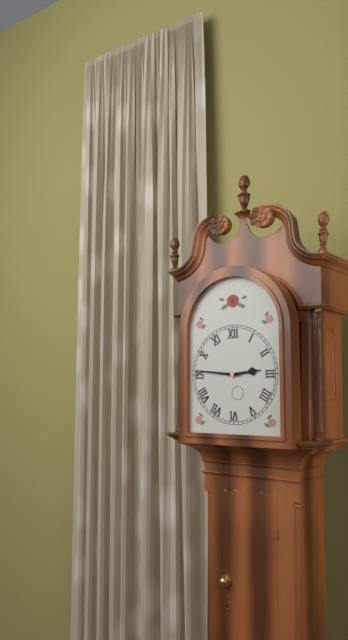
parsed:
2:46
